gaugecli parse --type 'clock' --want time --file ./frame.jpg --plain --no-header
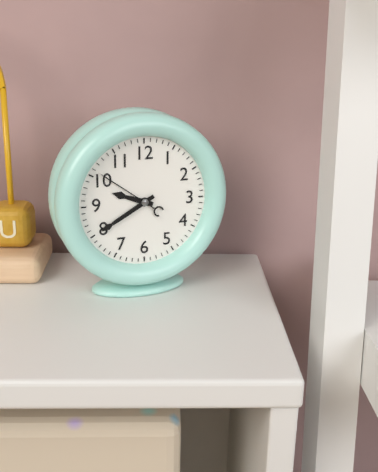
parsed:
9:40:51
